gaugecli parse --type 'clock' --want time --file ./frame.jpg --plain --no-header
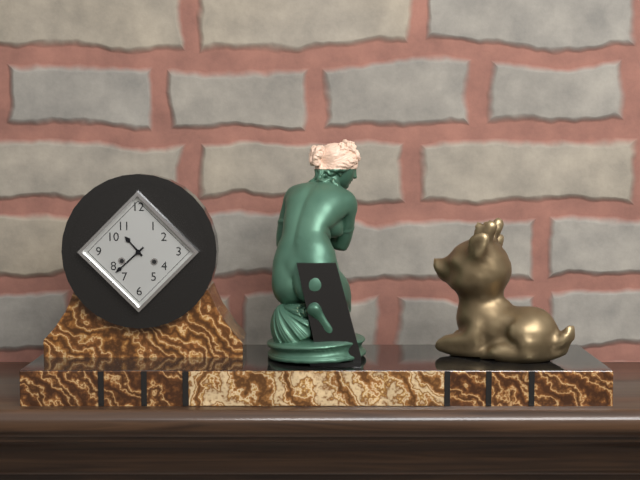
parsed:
10:38
